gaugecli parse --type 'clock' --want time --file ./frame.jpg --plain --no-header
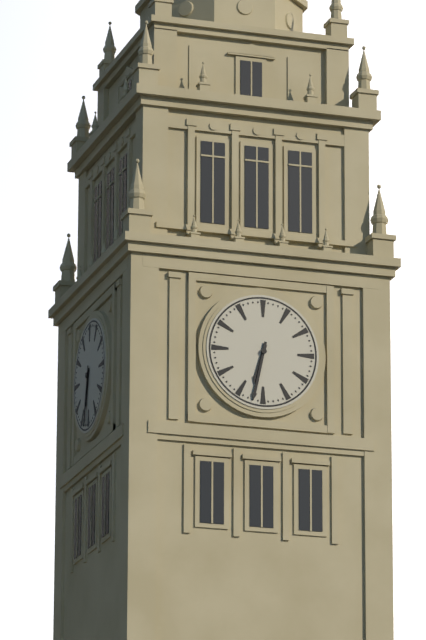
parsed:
6:32
